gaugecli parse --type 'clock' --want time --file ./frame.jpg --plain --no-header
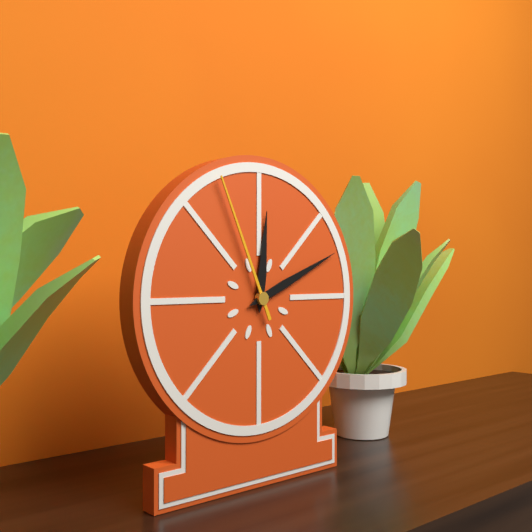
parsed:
12:11:56
